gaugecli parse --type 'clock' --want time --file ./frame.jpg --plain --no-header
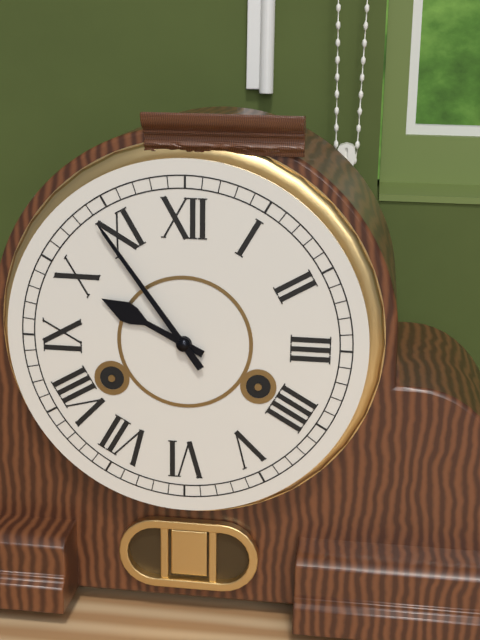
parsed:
9:54
